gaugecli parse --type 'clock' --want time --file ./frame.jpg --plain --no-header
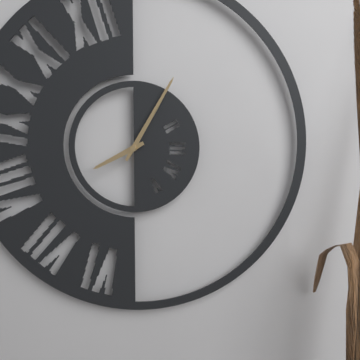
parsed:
8:05
